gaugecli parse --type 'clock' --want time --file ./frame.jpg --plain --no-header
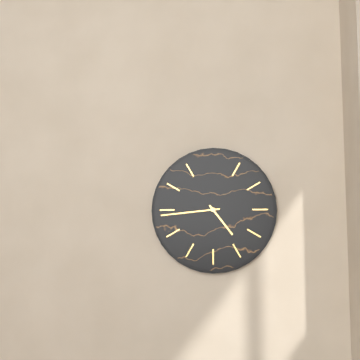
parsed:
4:44
